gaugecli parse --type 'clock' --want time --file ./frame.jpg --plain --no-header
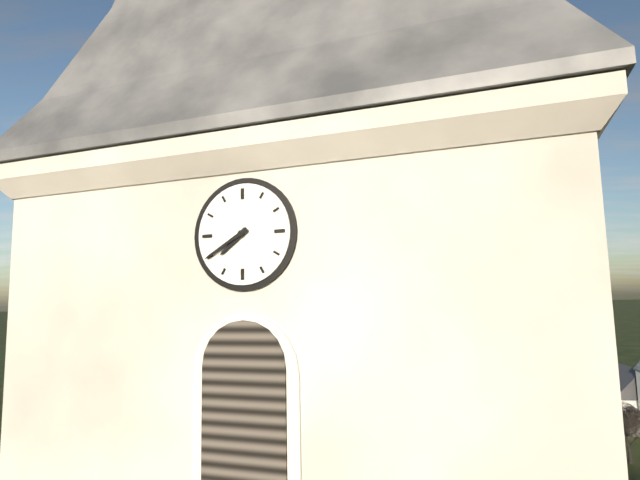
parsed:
7:40
